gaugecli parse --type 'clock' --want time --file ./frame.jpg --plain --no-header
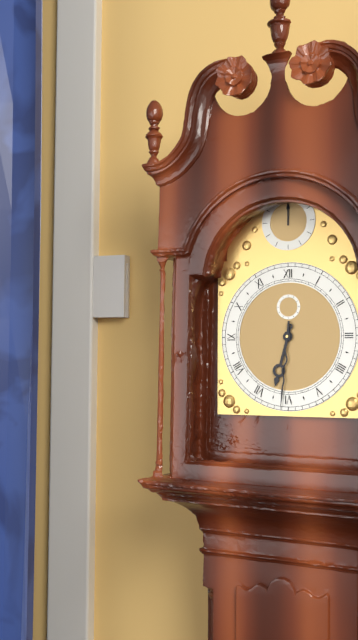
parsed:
6:31
